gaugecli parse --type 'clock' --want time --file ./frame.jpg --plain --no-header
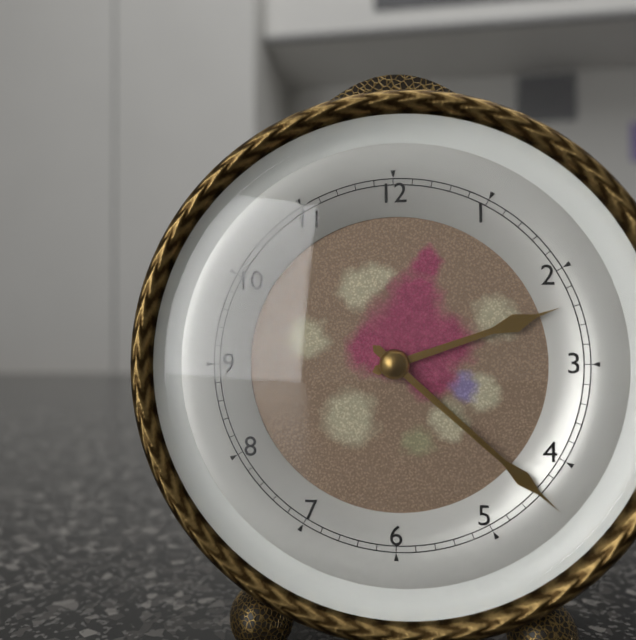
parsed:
2:22
